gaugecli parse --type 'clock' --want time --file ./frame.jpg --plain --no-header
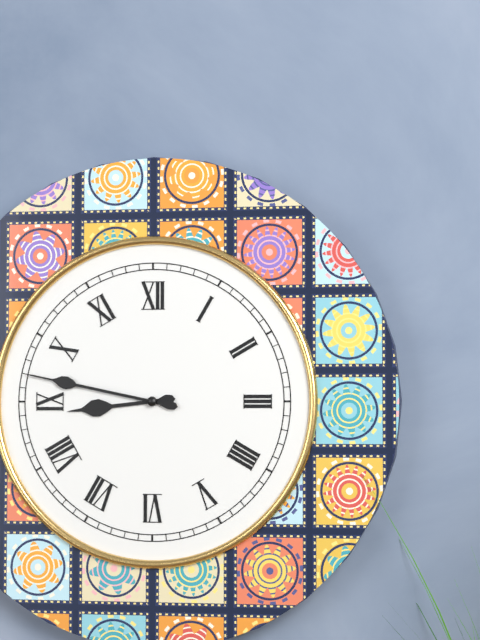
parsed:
8:47
